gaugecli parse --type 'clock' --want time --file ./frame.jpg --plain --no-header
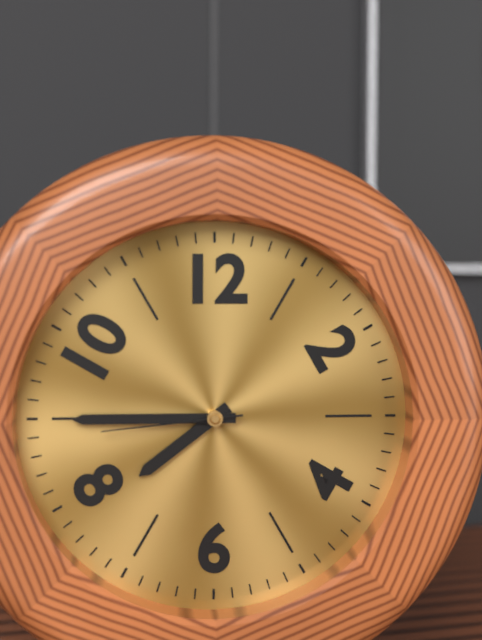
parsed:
7:45:44
